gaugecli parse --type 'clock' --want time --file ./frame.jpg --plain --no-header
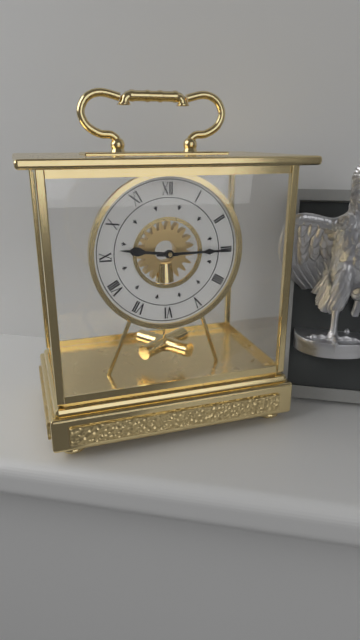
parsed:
9:15
